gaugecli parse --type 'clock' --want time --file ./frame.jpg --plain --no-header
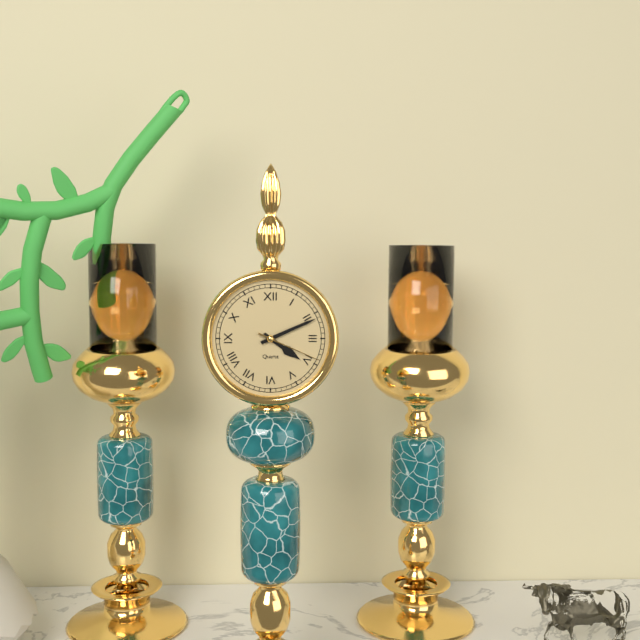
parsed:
4:11:19
